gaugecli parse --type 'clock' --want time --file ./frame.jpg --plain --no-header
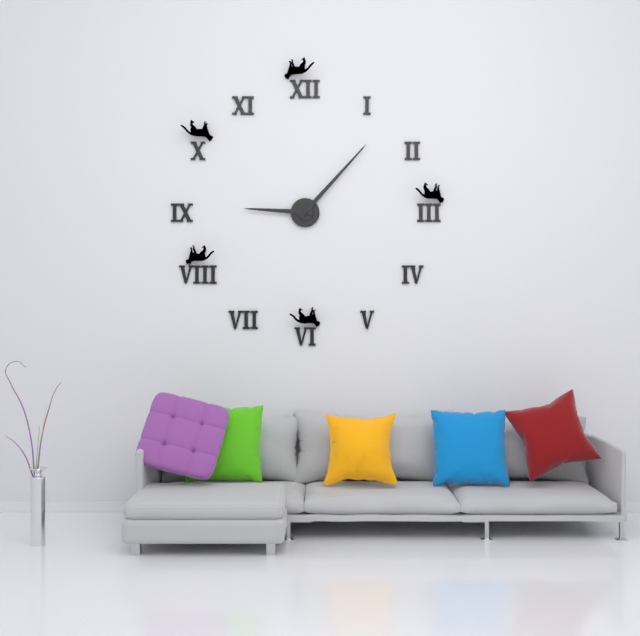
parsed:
9:07
